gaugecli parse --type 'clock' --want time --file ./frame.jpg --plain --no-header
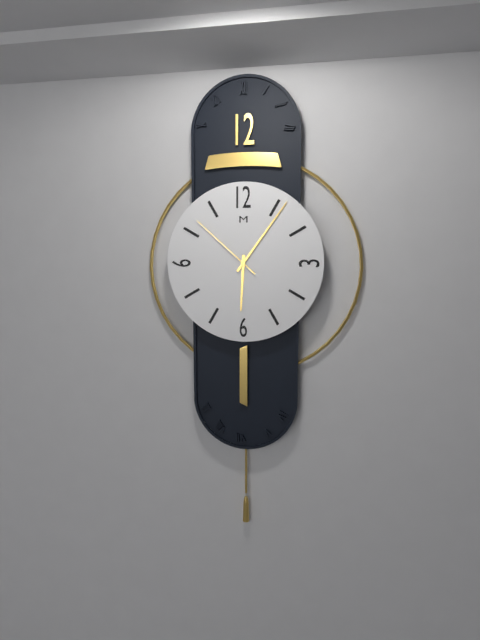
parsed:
6:06:52
